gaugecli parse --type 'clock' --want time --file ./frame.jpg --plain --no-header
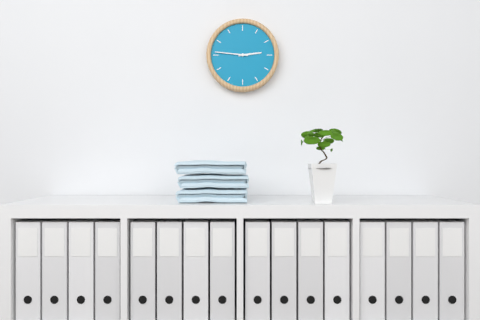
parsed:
2:46
